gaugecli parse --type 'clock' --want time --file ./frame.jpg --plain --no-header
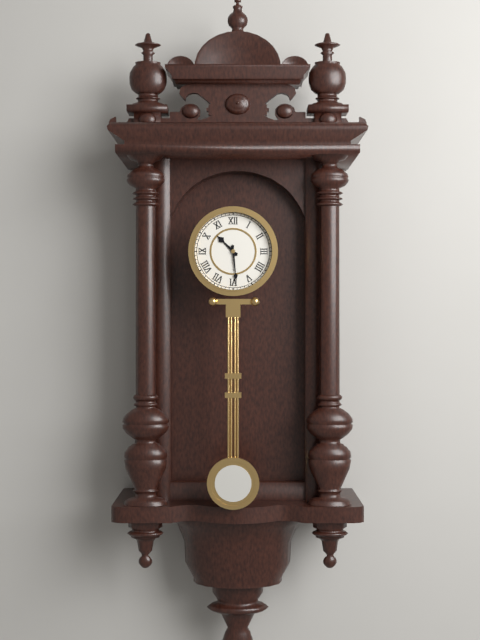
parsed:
10:29
